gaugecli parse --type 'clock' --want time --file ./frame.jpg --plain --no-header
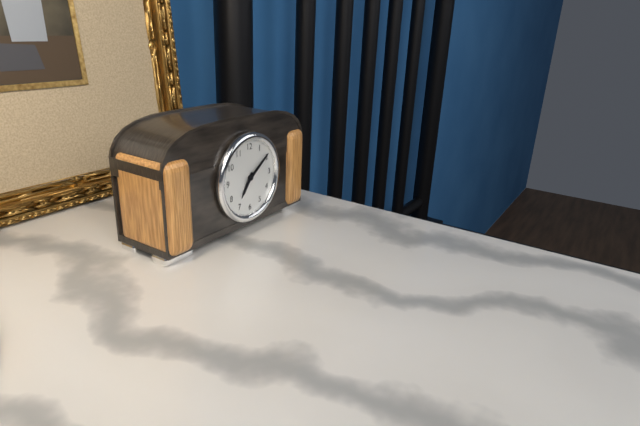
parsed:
7:09
